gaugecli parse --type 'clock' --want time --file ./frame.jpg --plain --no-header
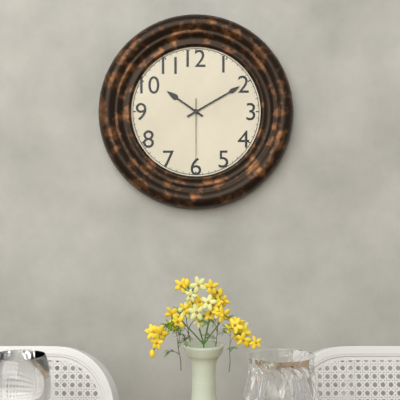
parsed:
10:10:30
